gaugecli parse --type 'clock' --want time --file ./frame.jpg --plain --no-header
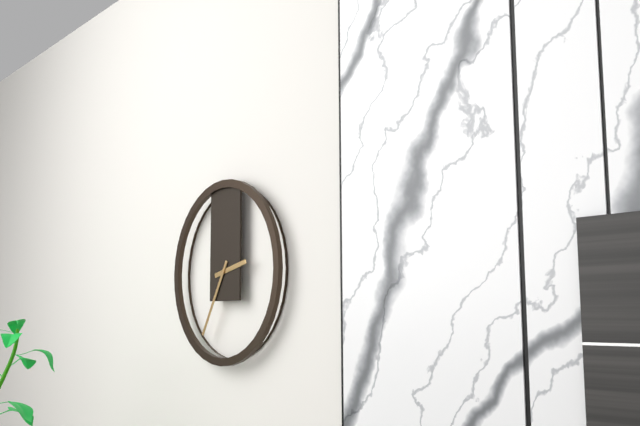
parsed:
2:35
